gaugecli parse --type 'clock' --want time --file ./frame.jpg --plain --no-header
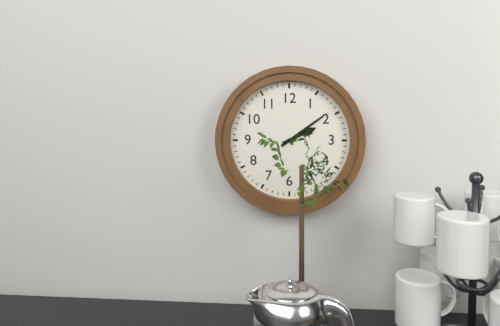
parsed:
2:09
